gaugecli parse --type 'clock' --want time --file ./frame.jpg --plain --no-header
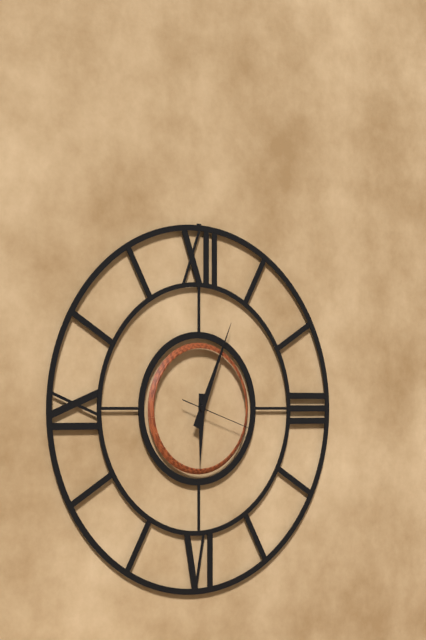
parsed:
6:04:18
